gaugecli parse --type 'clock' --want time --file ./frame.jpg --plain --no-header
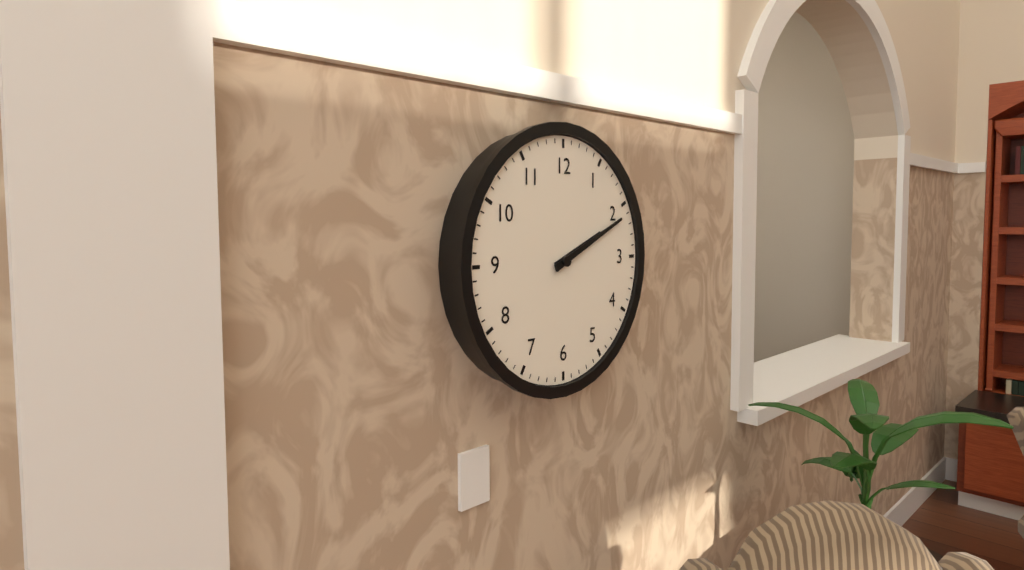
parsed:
2:11
